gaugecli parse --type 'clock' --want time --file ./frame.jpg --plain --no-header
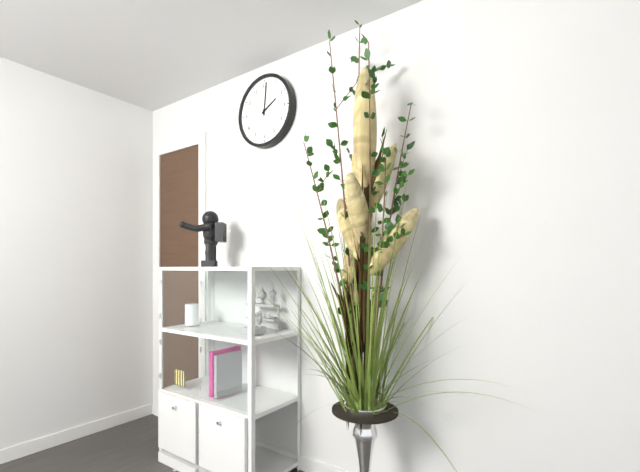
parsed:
2:01
